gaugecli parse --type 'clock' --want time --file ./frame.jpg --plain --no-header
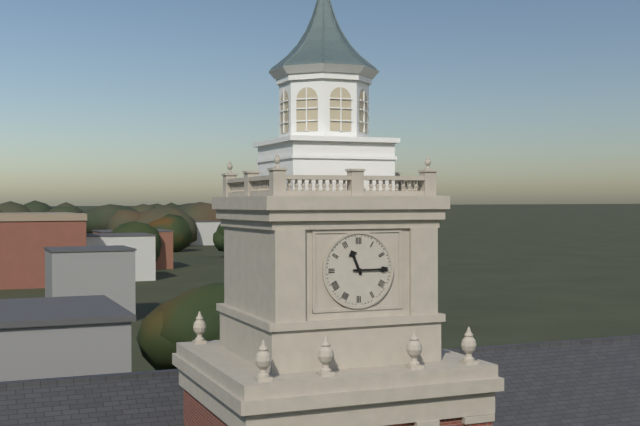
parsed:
11:15
